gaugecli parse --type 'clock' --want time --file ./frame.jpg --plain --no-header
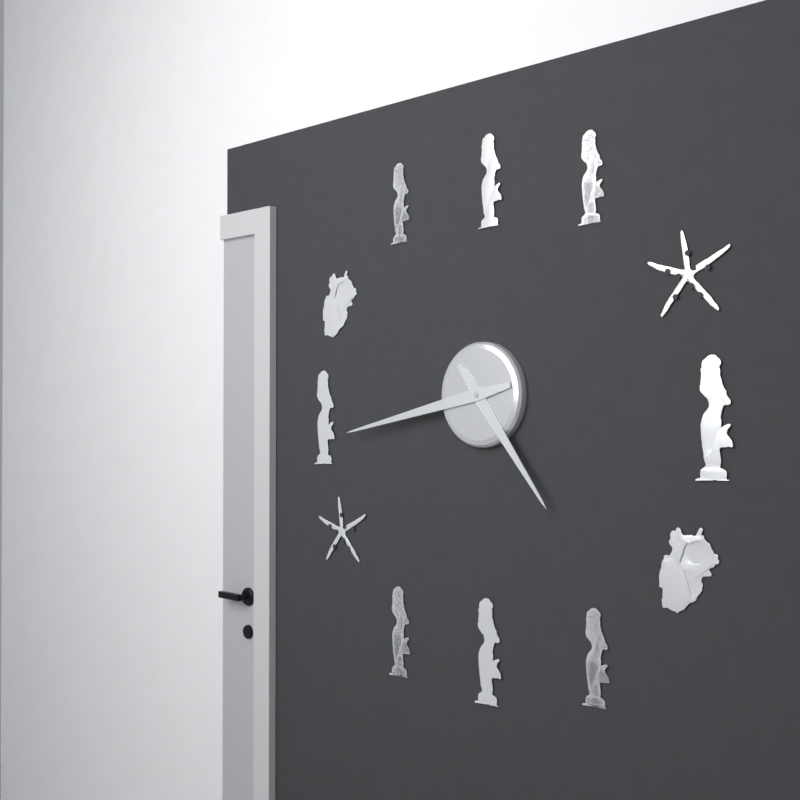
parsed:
4:43
